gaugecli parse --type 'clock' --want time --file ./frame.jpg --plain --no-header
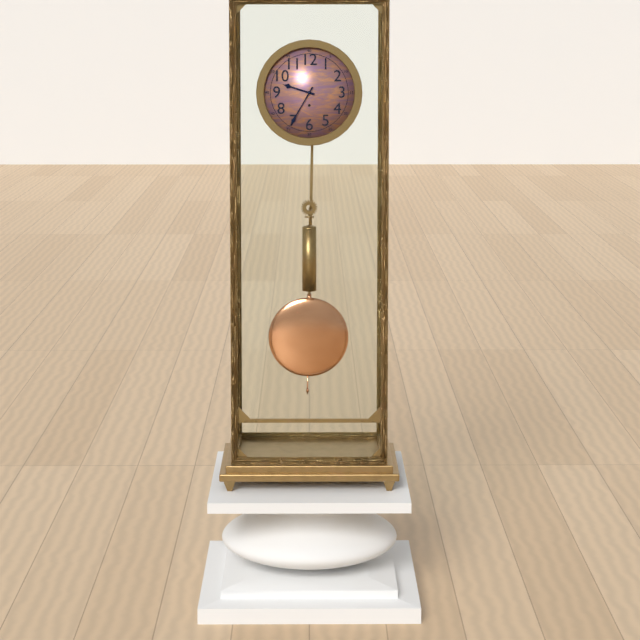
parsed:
9:35
